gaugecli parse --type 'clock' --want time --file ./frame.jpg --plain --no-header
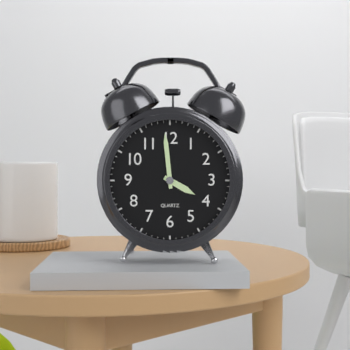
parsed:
3:59
